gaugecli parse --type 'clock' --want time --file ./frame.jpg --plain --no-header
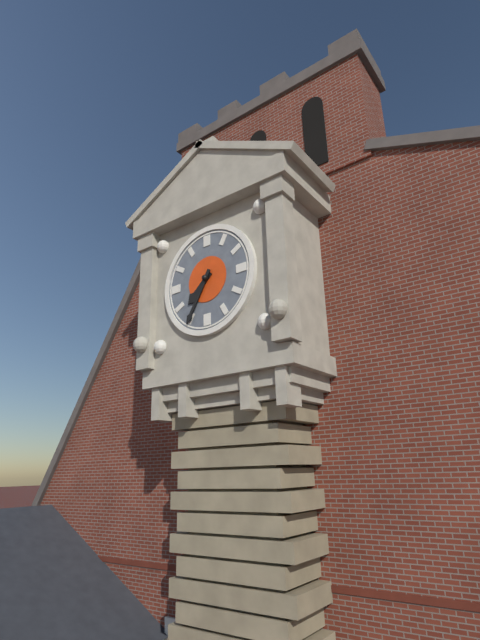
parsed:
7:35
